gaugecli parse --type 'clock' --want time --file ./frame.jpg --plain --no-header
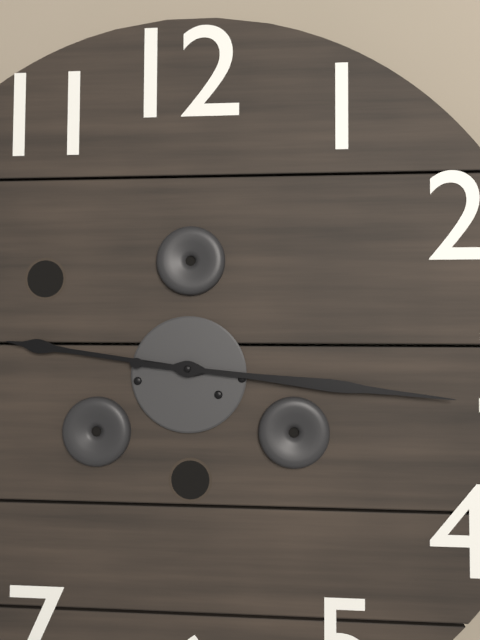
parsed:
9:16
